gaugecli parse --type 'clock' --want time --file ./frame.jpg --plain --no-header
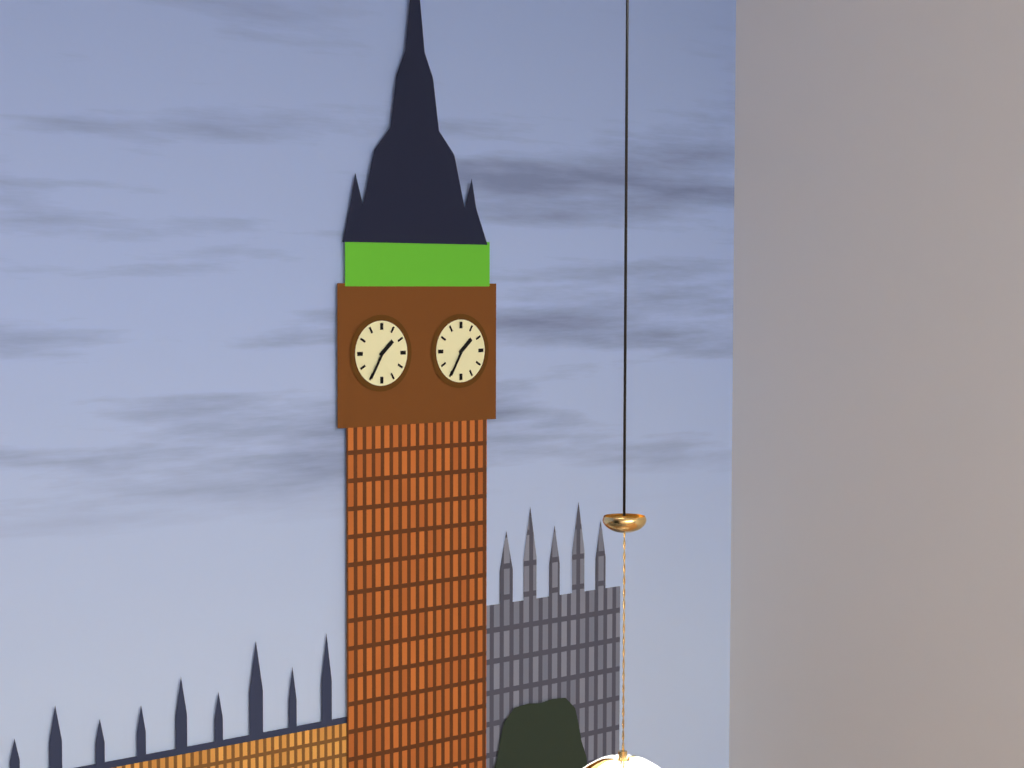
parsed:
1:35
